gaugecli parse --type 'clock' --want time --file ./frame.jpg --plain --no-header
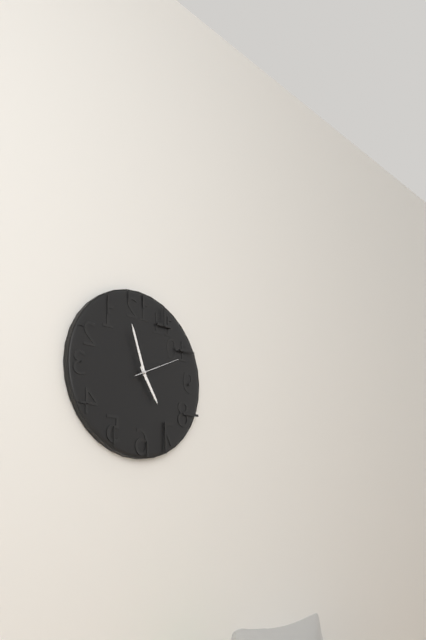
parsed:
4:57:11
